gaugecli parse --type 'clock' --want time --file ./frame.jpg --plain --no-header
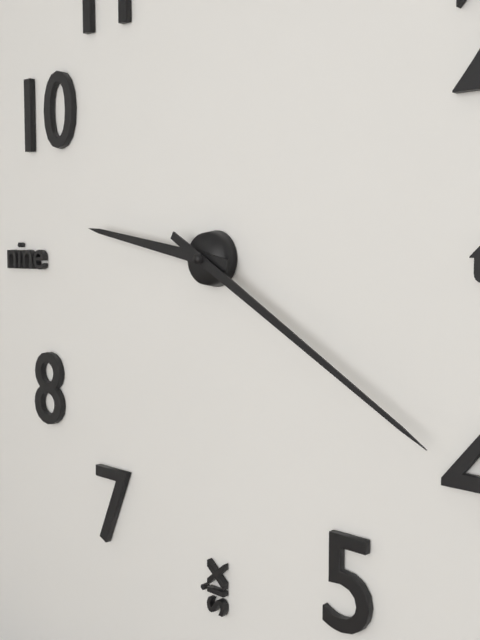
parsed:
9:20
